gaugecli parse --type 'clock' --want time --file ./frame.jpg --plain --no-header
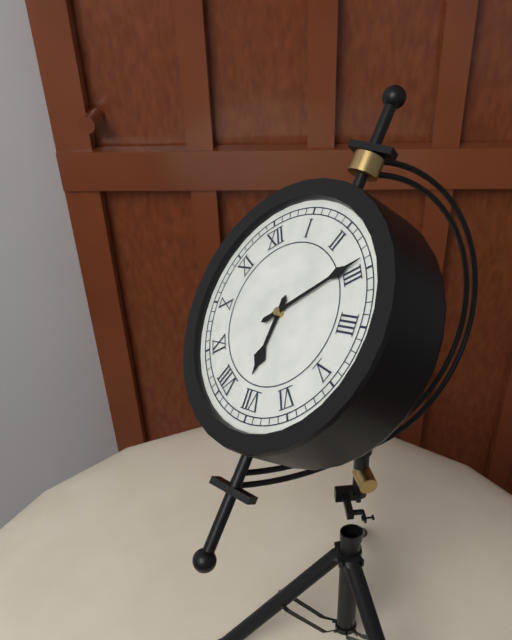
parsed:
7:14
